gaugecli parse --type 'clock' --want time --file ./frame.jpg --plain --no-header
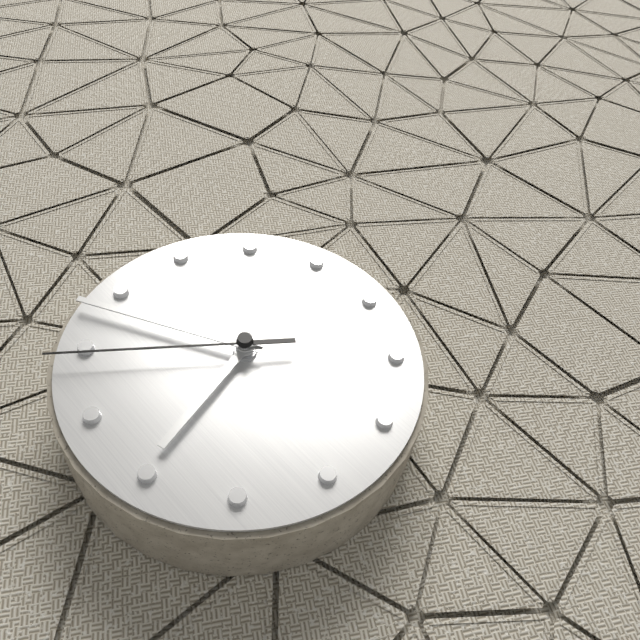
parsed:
10:03:59
